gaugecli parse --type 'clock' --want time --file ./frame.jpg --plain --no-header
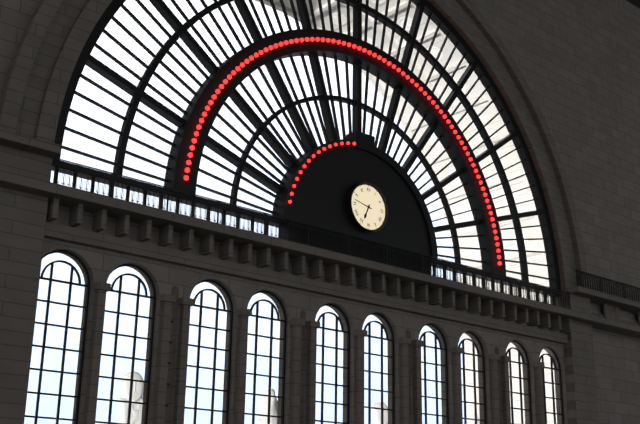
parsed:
6:47
